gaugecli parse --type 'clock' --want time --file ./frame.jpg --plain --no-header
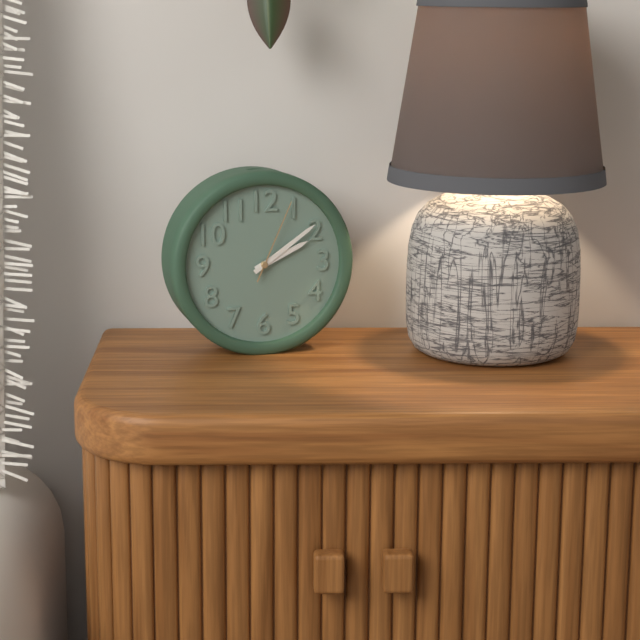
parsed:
2:09:04
